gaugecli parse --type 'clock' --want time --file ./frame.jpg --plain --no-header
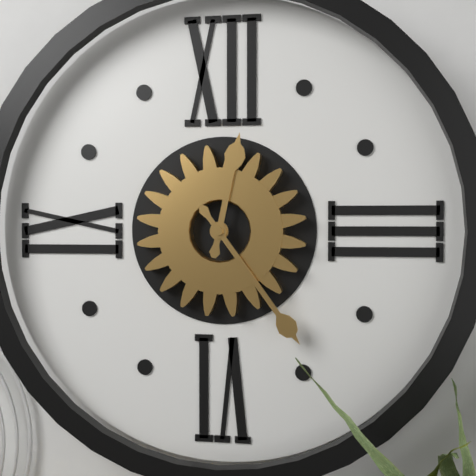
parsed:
12:24
